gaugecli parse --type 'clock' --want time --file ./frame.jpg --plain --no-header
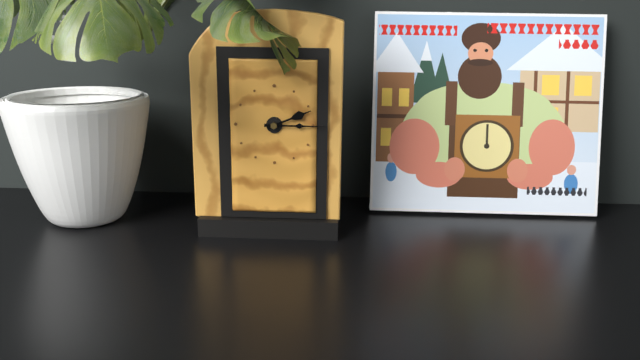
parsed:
2:15
